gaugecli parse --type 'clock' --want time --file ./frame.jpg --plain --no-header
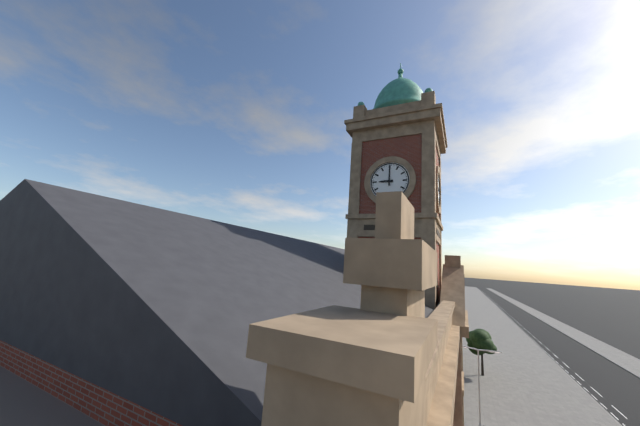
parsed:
9:00
